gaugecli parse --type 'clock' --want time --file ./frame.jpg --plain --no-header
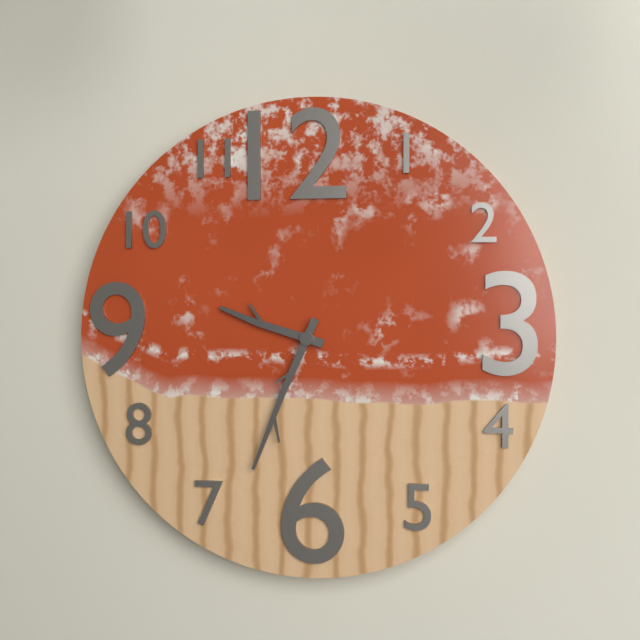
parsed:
9:34
